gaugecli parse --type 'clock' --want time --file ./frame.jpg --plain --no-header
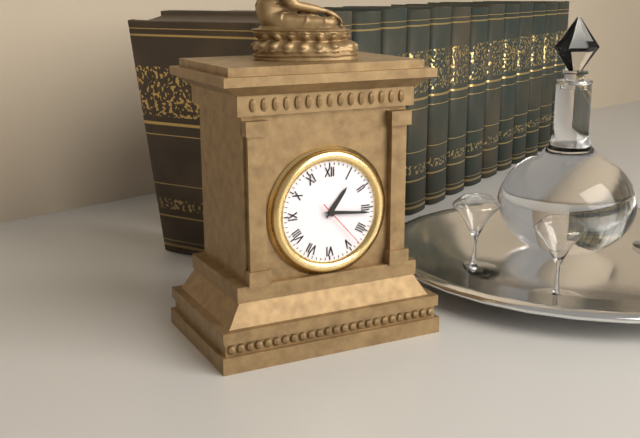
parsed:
1:16:23
